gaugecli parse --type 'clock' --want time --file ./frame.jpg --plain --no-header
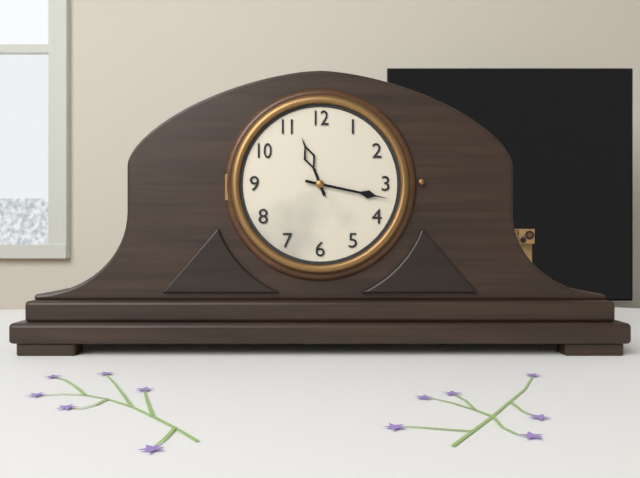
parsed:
11:17
